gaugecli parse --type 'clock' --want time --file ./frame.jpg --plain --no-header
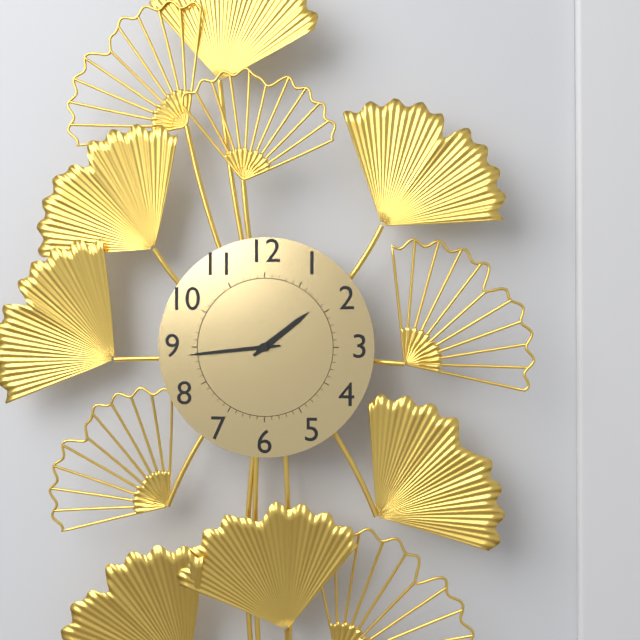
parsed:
1:44
